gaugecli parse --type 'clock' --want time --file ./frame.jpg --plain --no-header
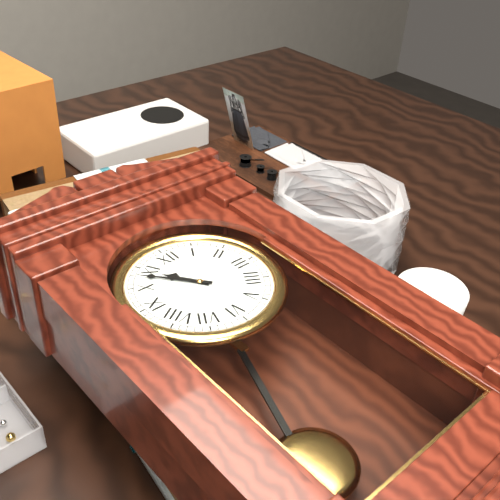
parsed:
10:53
